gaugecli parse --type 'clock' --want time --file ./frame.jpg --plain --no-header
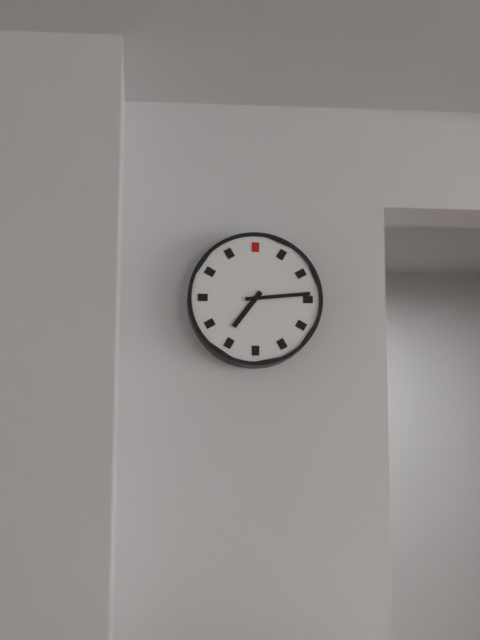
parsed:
7:14
